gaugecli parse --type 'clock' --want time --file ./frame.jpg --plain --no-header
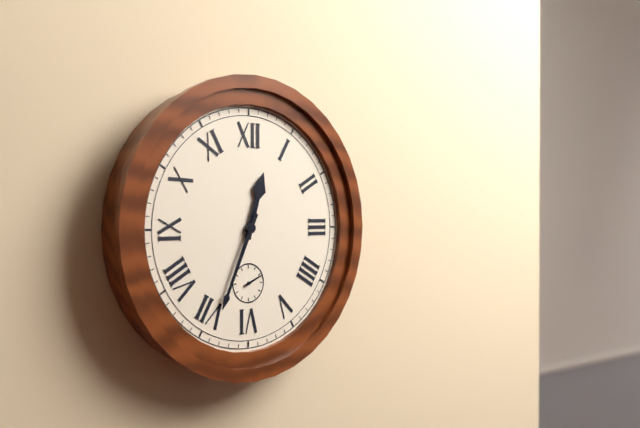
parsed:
12:34
